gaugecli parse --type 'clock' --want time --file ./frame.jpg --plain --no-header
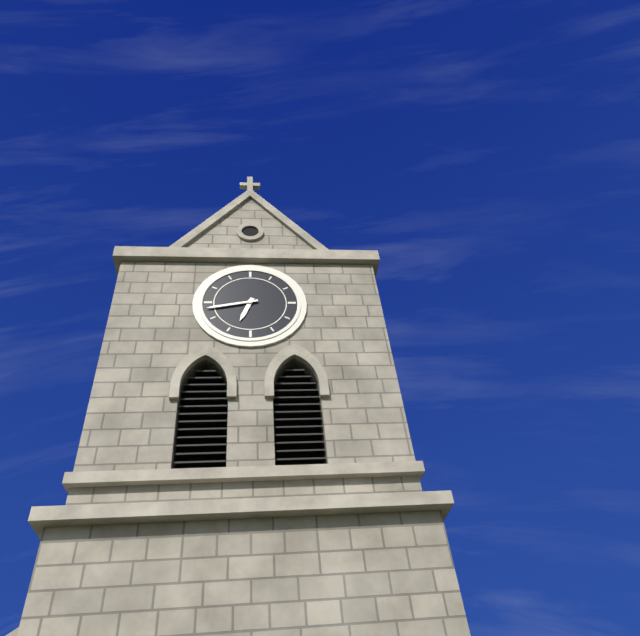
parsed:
6:43
